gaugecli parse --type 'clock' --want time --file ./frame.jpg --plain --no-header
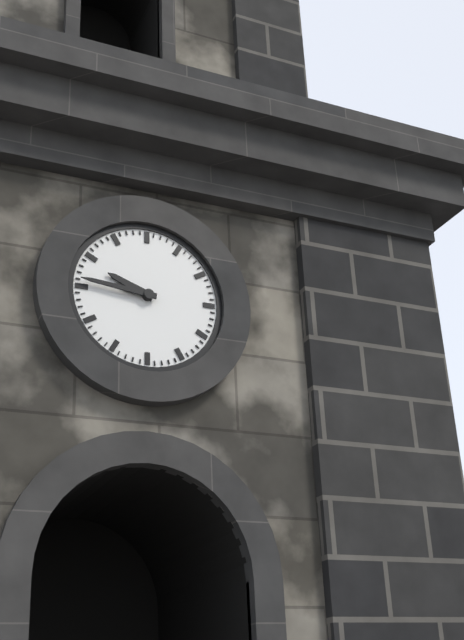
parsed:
9:46
